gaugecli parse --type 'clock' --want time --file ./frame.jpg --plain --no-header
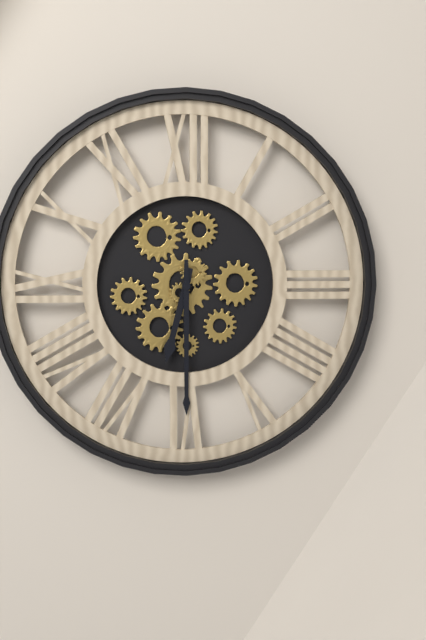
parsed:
6:30
